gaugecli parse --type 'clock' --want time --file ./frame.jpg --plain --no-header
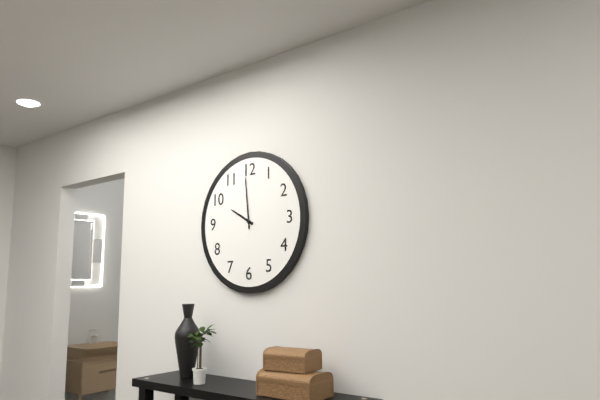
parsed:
9:59
